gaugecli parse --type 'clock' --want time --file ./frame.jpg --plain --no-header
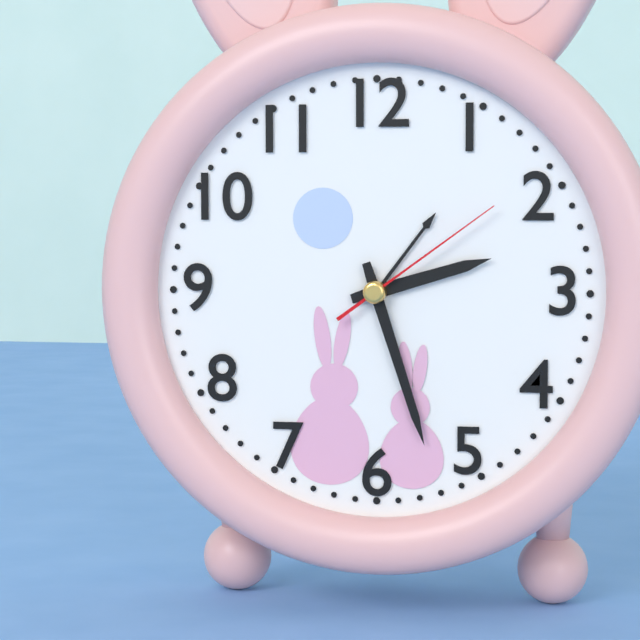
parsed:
2:27:09
